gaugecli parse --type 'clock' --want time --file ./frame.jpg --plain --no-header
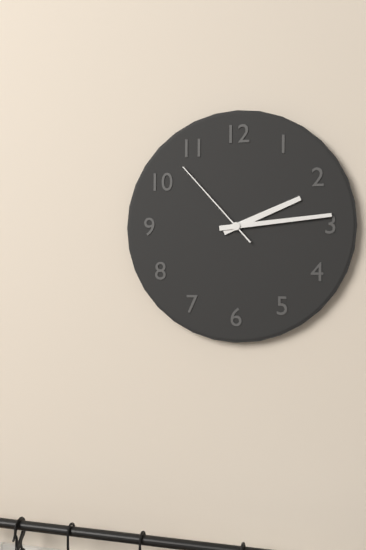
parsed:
2:14:53
